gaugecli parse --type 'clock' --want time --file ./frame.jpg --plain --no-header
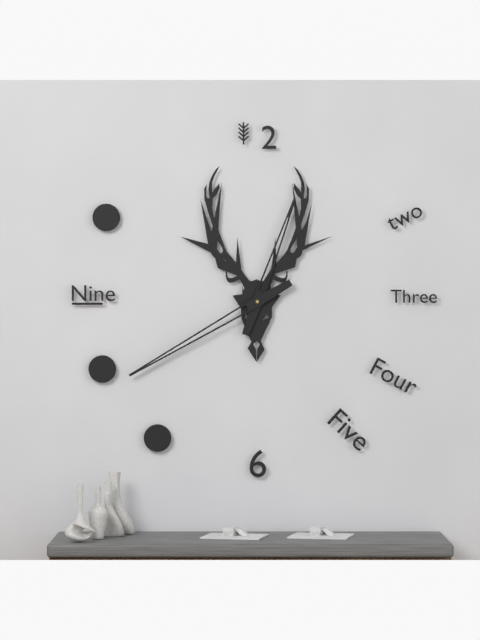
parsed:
12:40
